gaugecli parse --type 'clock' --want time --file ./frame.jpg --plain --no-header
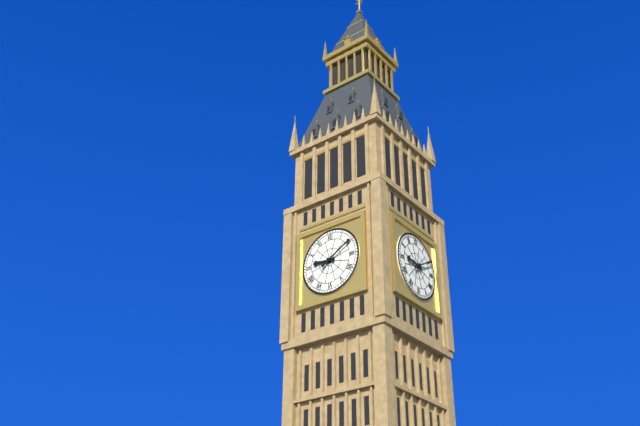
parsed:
9:10
